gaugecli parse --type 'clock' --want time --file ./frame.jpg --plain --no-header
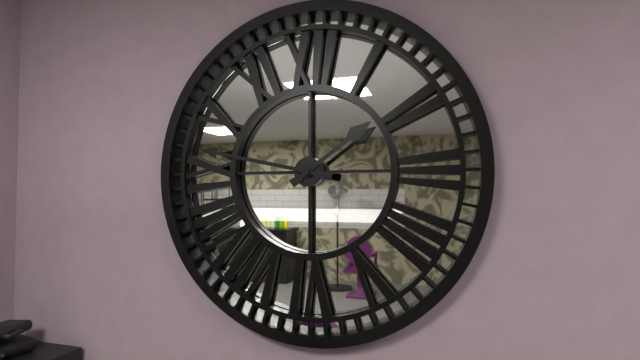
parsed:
1:47
